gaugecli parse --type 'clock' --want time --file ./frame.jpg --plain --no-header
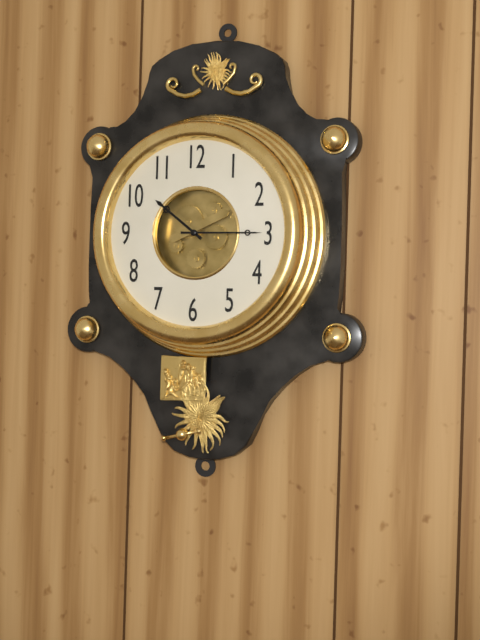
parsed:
10:15
